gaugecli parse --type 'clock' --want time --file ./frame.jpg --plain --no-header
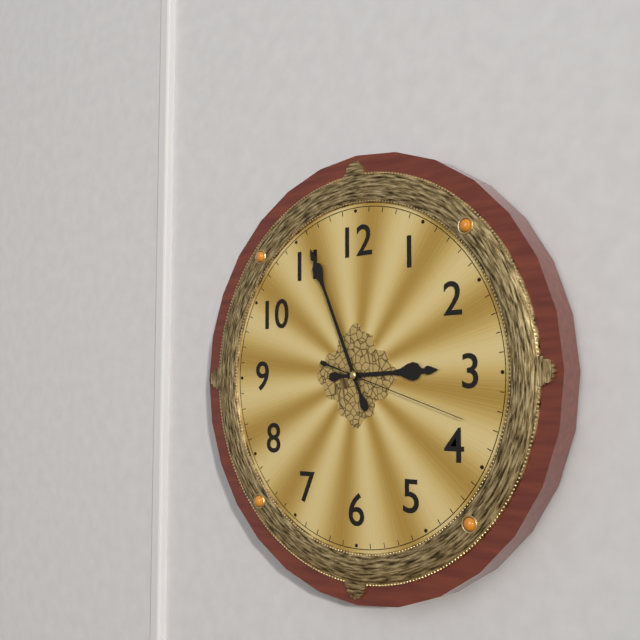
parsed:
2:56:18
